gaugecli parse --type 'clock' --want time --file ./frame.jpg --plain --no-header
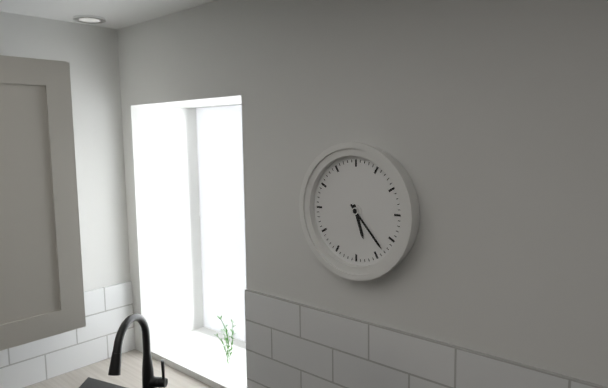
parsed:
5:23
